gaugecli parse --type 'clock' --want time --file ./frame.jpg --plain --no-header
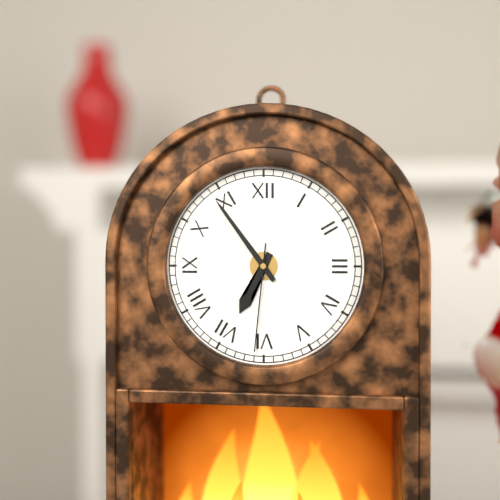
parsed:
6:54:31
